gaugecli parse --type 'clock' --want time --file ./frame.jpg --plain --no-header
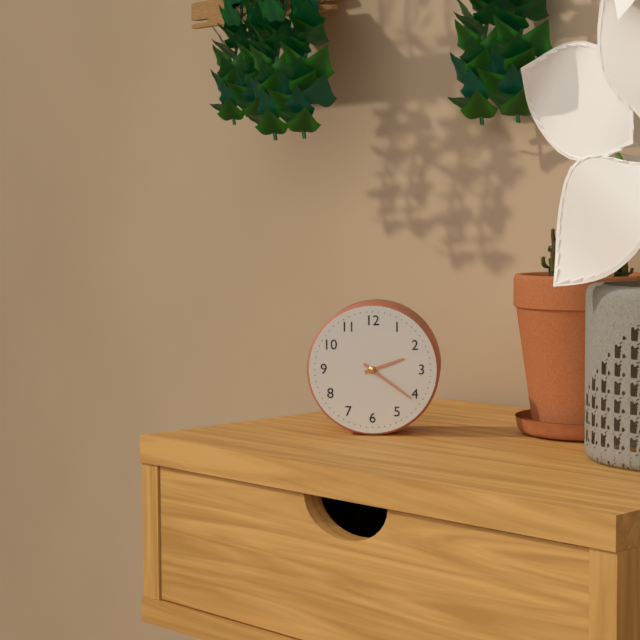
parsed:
2:21
